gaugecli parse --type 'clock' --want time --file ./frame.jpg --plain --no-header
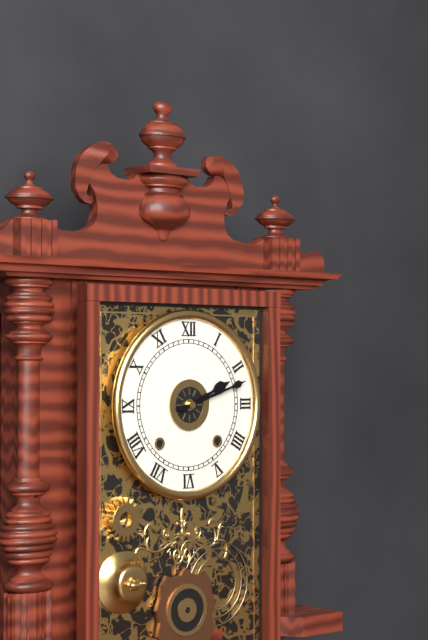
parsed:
2:12
